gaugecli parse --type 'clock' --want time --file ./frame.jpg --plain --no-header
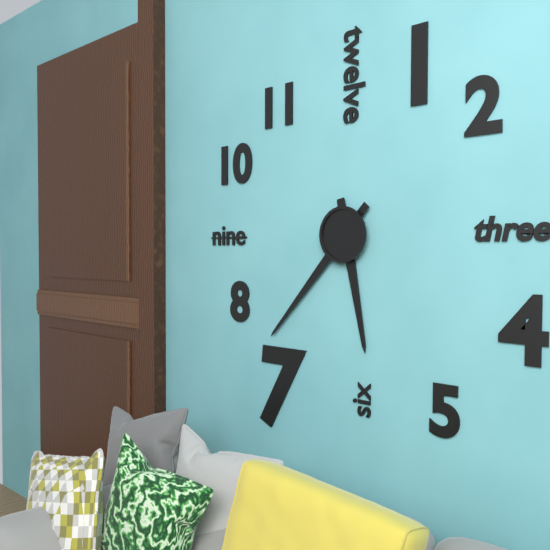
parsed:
5:37
